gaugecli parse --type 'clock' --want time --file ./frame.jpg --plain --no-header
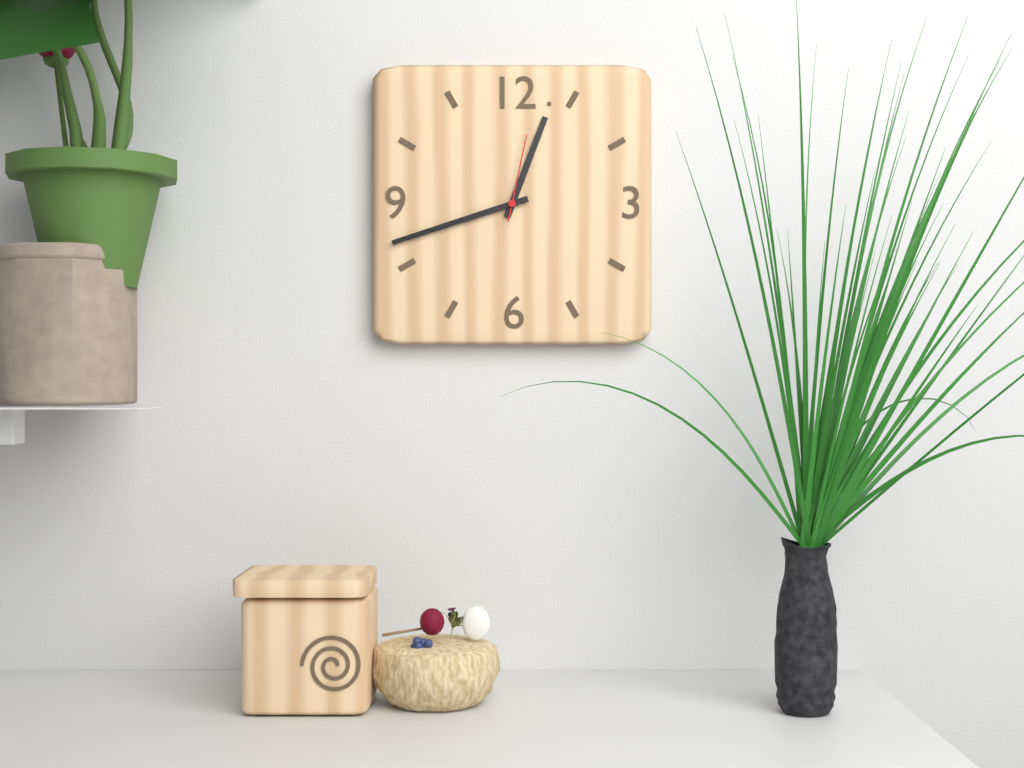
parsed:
12:42:02
